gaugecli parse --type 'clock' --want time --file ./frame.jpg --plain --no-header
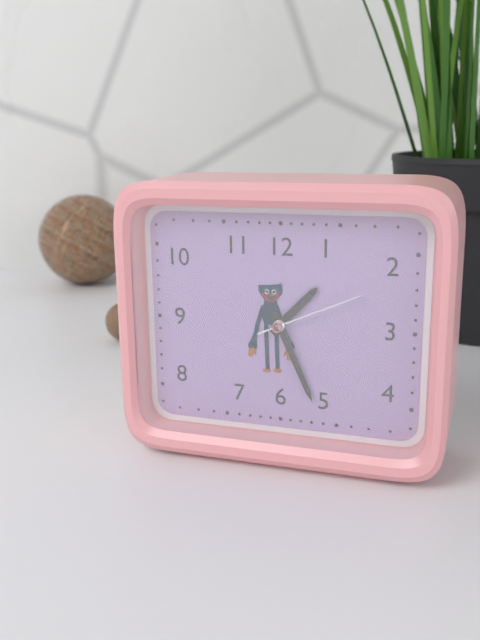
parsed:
1:26:11
